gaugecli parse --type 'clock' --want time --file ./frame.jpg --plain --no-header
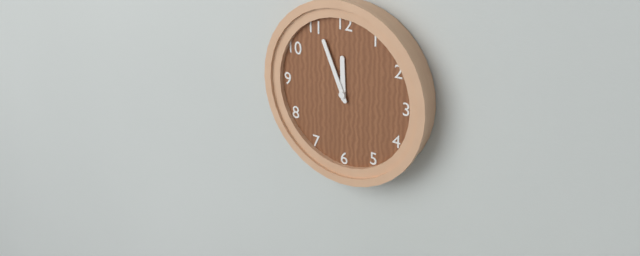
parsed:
11:56
